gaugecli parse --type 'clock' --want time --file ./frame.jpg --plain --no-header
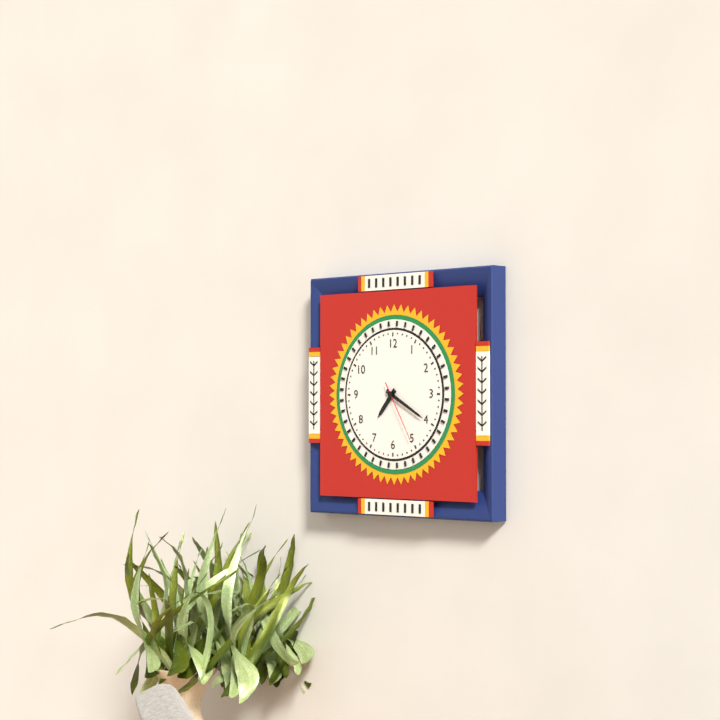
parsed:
7:20:25
